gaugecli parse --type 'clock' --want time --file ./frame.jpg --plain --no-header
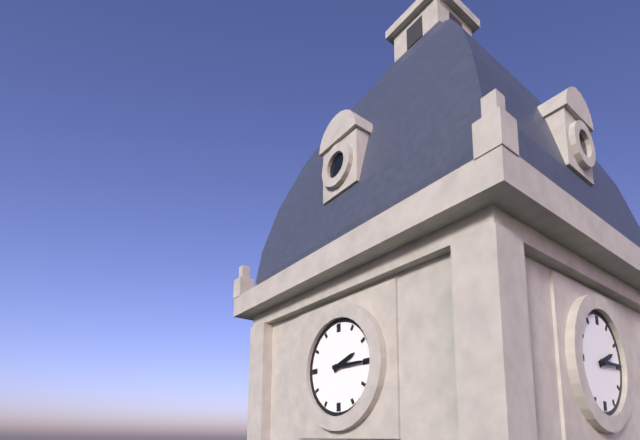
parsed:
2:15
